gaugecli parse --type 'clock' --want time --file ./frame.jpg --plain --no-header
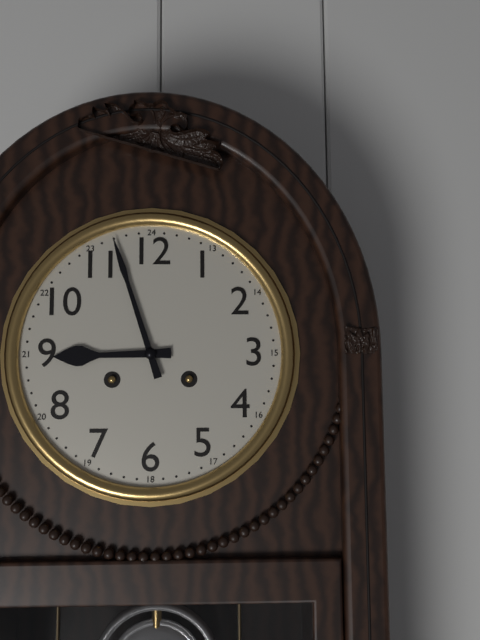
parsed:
8:57
